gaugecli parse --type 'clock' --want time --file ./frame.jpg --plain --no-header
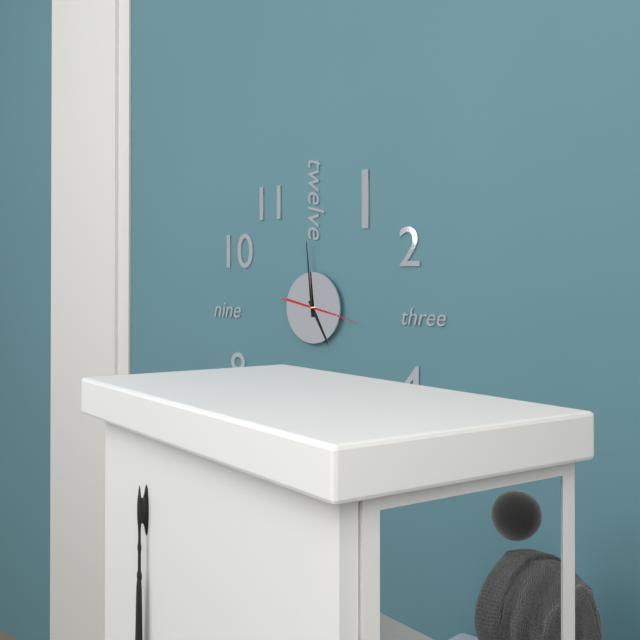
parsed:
4:59:17
